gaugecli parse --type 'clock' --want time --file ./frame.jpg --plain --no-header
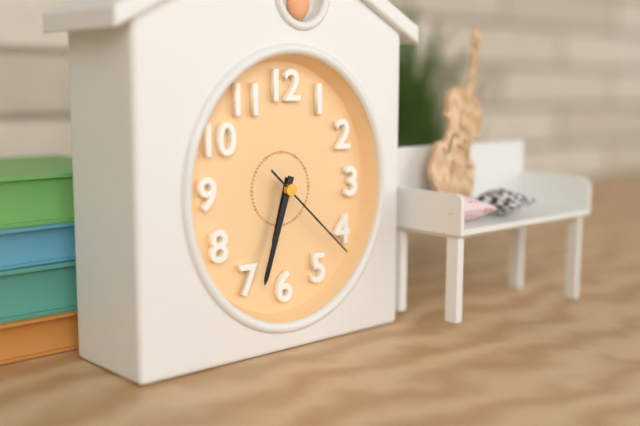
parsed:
6:33:22
